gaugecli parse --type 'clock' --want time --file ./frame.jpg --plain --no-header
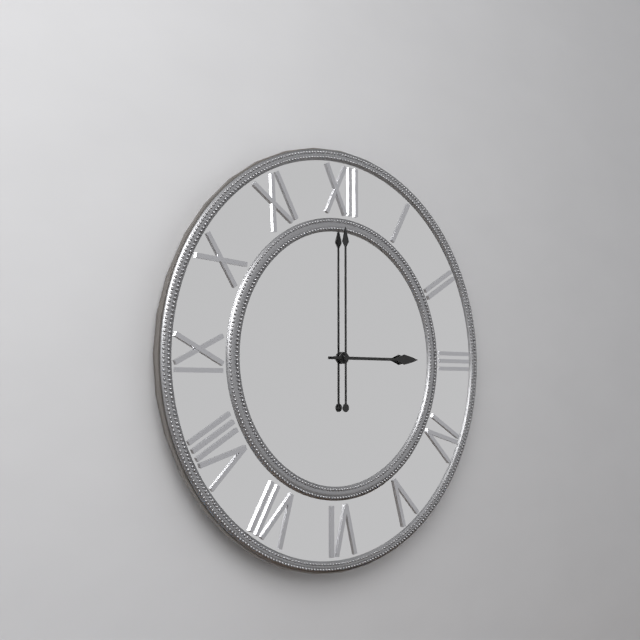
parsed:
3:00
